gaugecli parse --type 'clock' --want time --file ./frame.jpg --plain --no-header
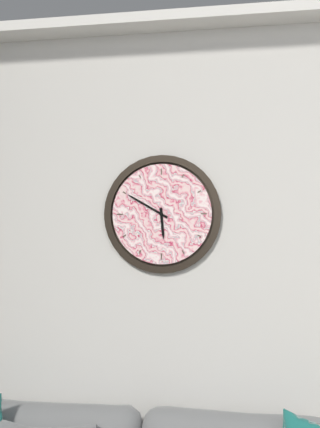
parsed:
5:50
